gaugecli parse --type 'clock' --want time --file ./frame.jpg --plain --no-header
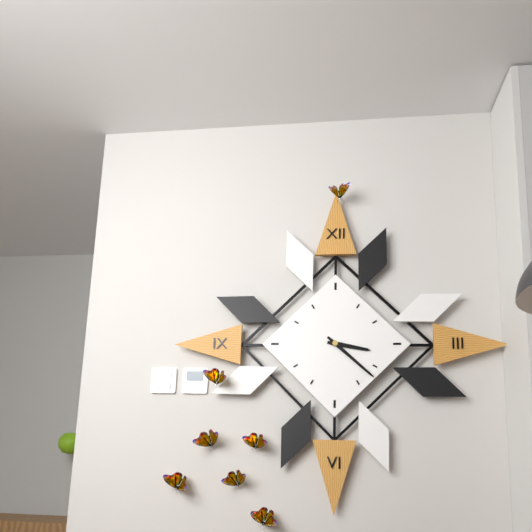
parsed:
3:22
